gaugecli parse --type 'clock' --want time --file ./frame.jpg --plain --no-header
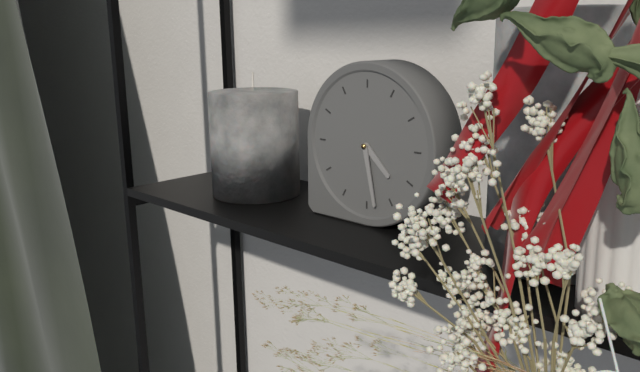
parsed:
4:28
